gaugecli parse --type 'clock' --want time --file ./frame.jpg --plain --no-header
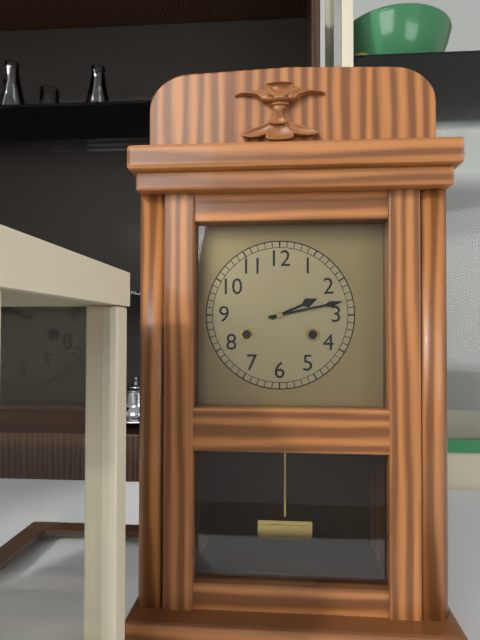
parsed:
2:13
